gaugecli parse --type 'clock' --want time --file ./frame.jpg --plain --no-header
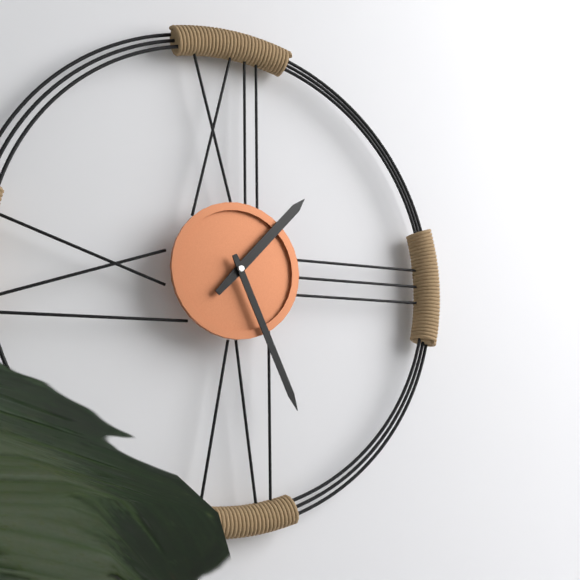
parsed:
1:26
